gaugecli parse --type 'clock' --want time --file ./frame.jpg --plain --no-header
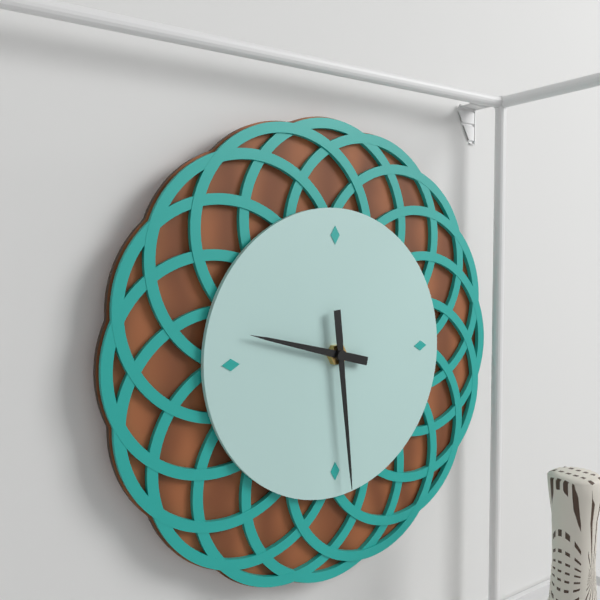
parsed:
9:29
